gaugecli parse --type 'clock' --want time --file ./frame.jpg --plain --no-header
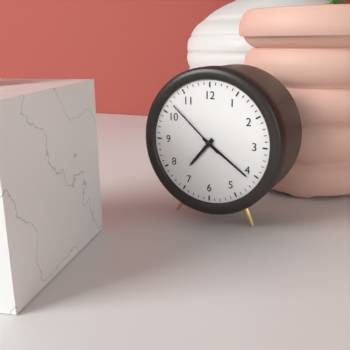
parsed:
7:21:52
